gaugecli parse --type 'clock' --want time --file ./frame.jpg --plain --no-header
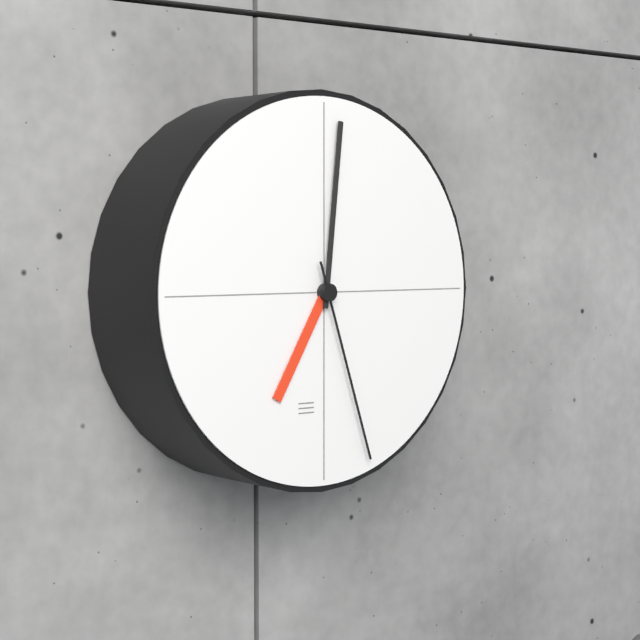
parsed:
7:01:27
